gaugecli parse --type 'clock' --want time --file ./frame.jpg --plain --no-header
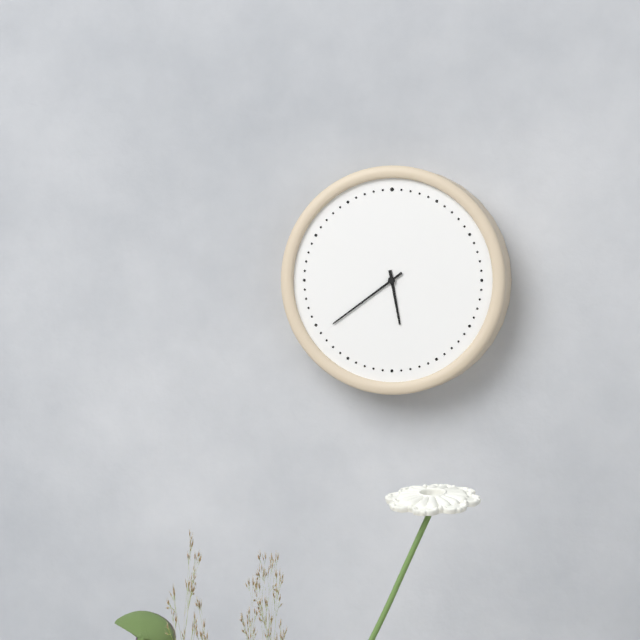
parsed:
5:39
